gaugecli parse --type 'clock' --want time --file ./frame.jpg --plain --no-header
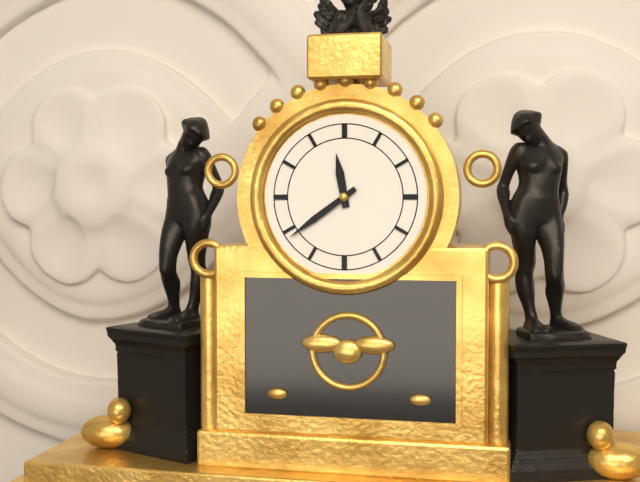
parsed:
11:39
